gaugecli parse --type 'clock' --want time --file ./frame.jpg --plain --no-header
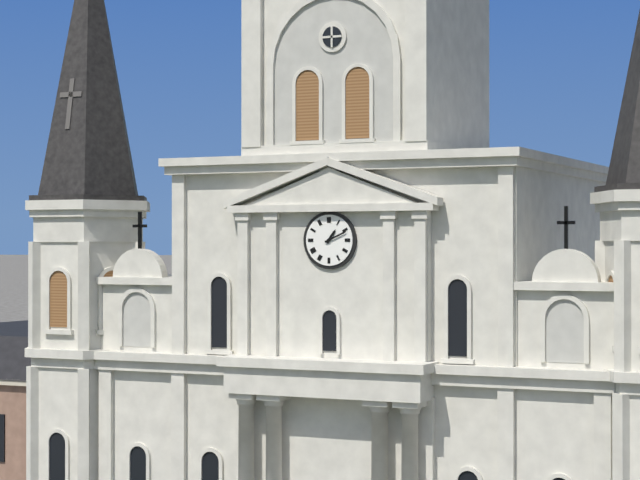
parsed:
1:11
